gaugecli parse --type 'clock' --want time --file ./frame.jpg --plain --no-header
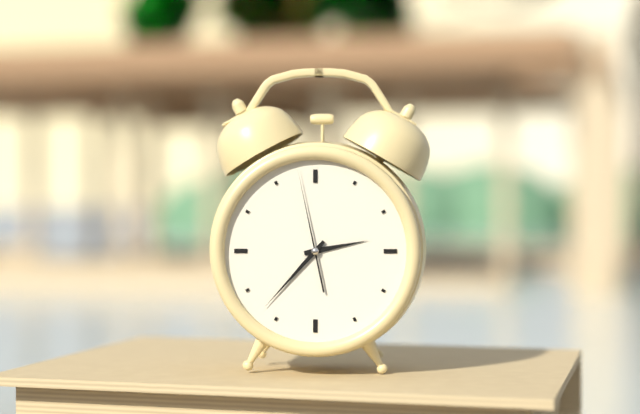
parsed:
2:37:58
